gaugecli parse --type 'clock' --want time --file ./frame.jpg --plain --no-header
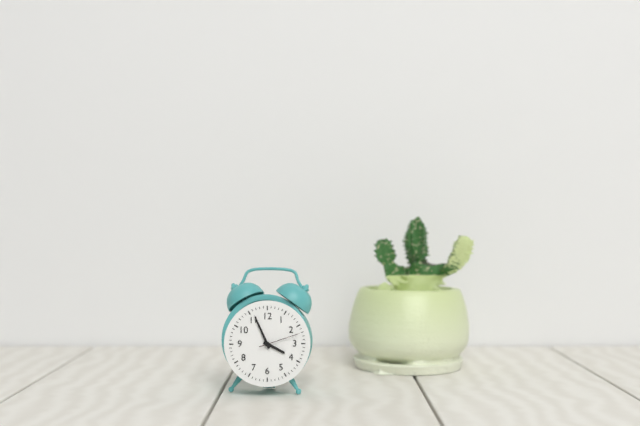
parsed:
3:56
